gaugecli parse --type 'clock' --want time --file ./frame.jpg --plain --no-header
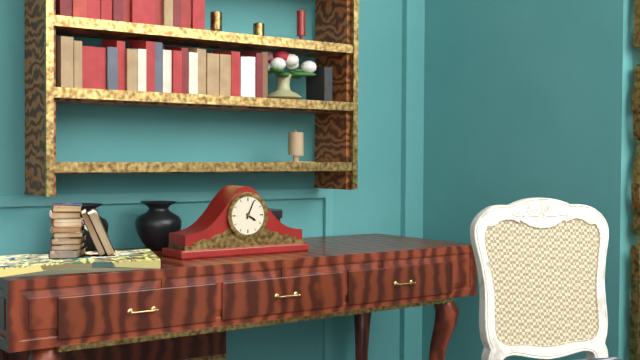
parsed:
4:04
